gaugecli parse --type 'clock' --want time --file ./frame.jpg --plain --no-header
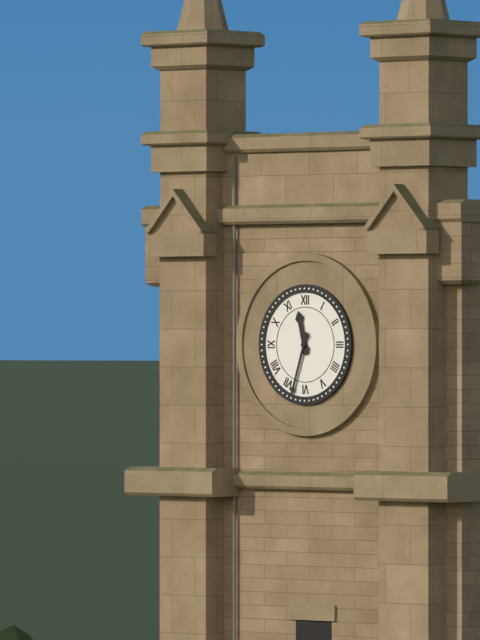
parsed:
11:33
